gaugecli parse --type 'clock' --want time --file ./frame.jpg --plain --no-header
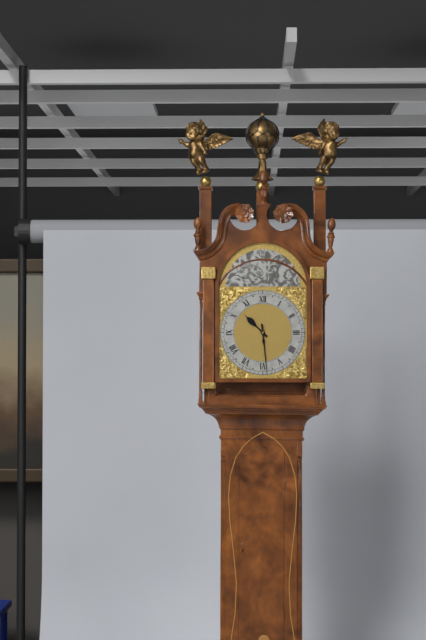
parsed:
10:29
